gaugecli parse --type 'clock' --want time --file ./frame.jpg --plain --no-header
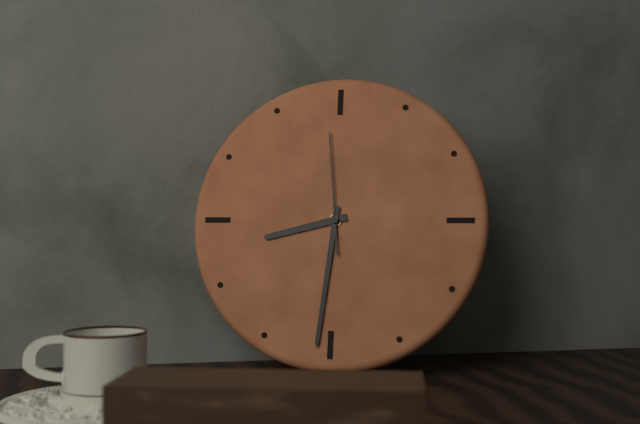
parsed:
8:31:59
